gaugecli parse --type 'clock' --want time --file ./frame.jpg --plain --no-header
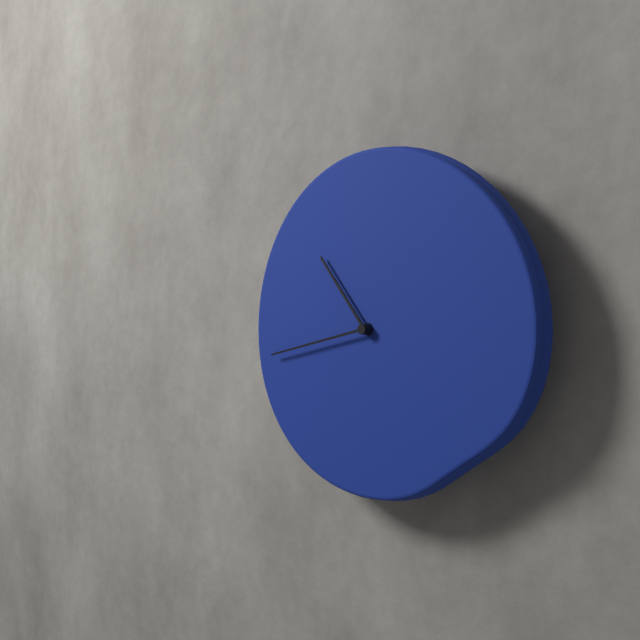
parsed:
10:43
